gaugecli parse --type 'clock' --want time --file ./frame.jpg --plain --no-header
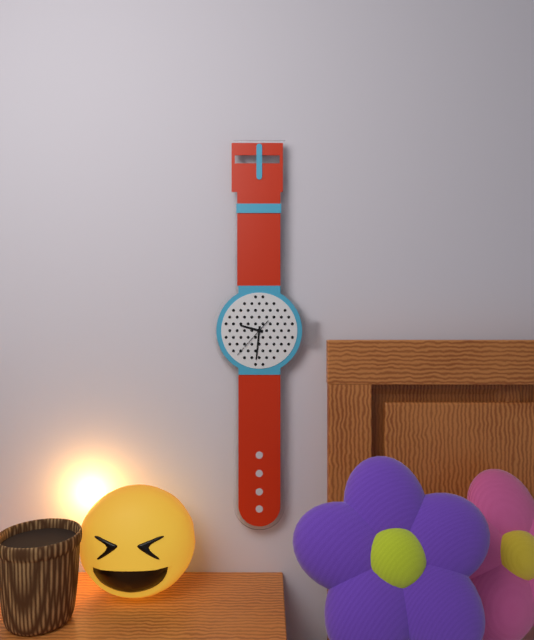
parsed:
9:31
